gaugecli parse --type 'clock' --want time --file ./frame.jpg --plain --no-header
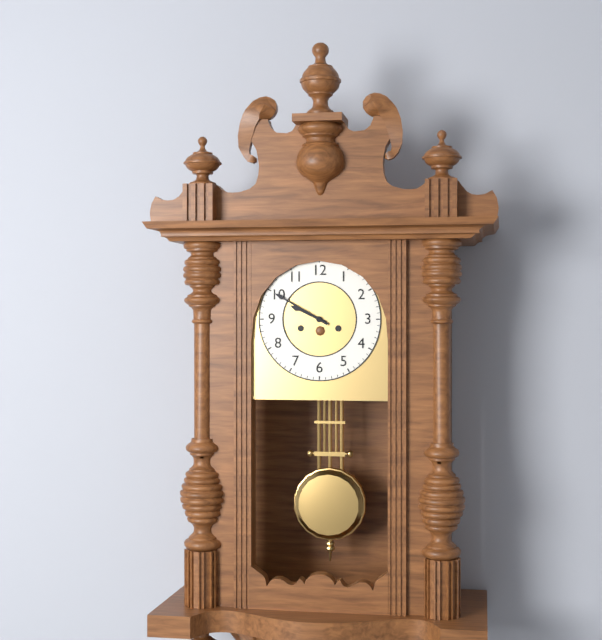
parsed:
9:50
